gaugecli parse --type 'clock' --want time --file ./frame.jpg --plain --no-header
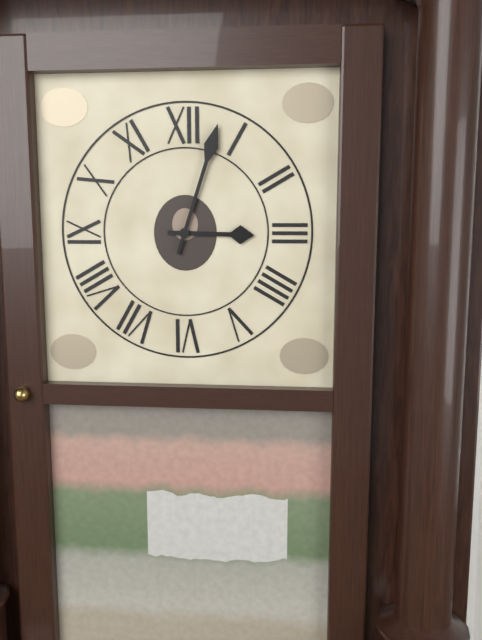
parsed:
3:03
